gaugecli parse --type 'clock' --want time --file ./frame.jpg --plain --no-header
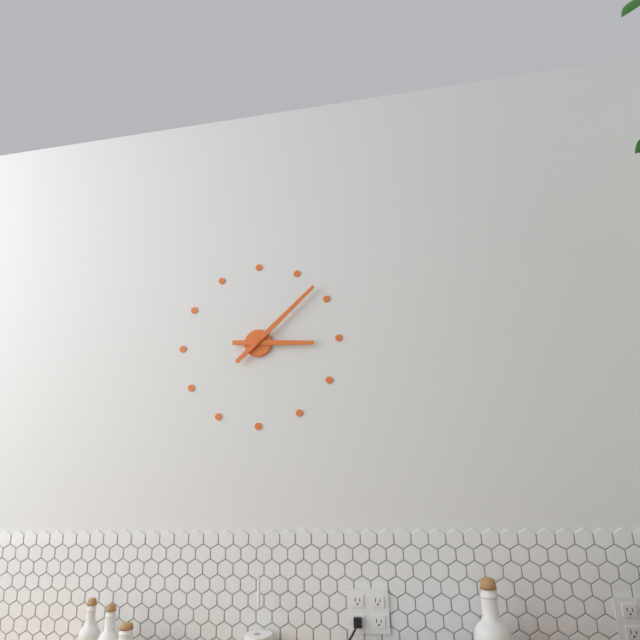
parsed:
3:08
